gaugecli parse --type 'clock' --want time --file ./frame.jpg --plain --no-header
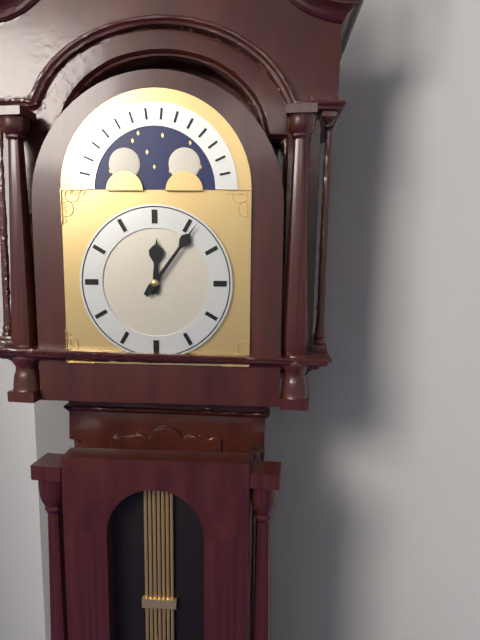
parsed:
12:06
